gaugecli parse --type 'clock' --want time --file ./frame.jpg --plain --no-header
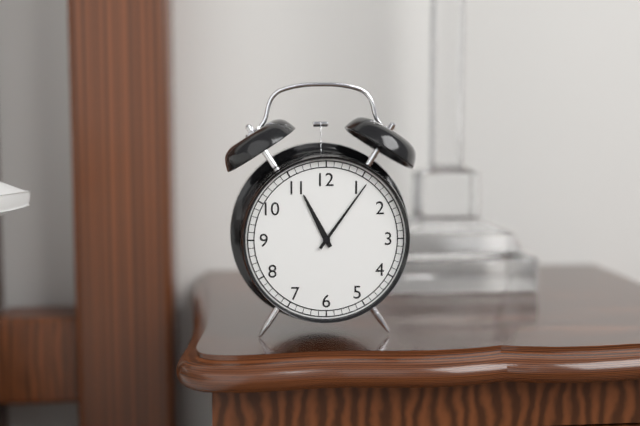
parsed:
11:06
